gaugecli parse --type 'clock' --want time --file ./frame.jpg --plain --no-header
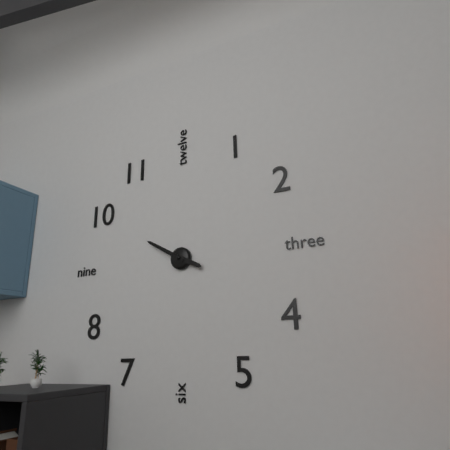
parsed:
3:50
